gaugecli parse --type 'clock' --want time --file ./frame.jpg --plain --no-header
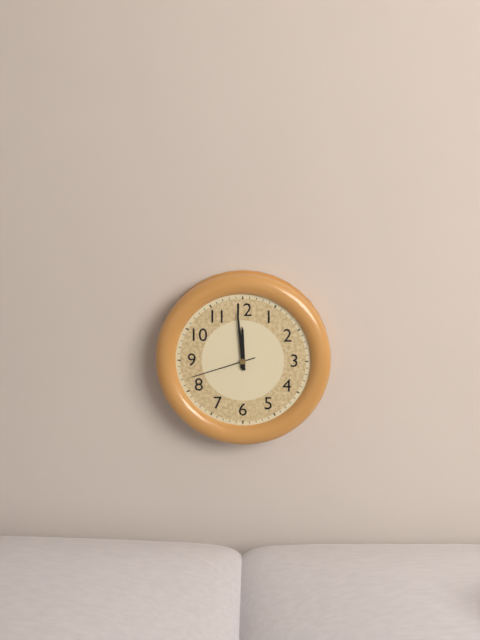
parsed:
11:59:42
